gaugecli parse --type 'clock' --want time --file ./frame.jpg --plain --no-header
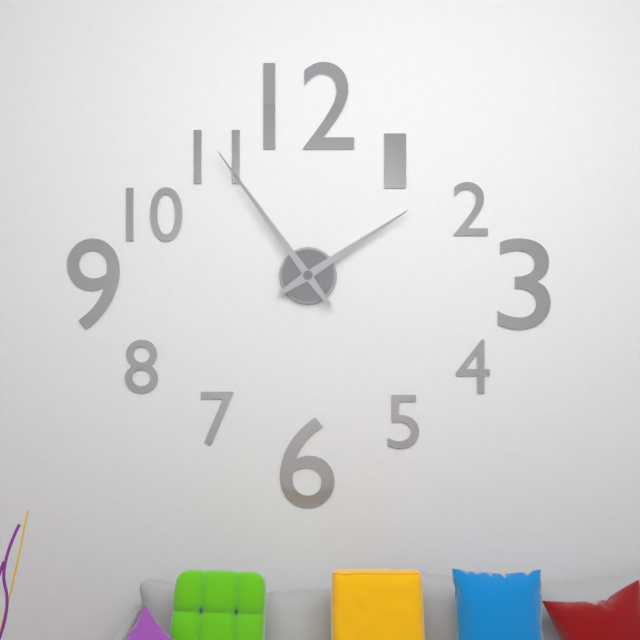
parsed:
1:54
